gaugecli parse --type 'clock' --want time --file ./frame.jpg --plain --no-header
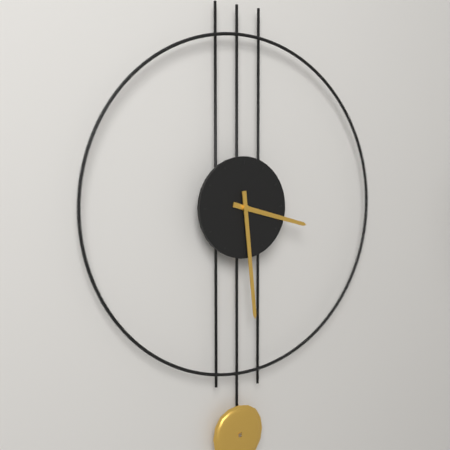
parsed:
3:29
